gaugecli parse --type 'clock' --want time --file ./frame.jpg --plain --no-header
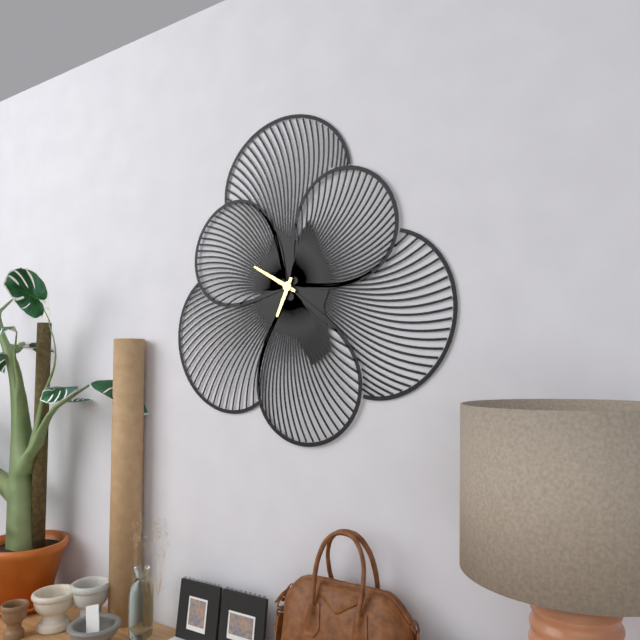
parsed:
6:50
